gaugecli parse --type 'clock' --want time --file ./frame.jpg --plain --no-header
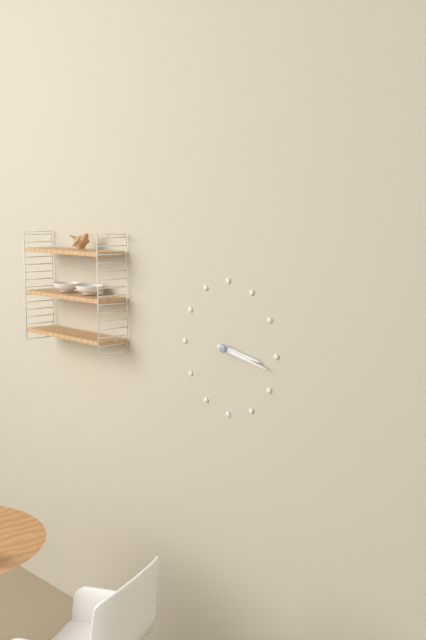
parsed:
3:17
